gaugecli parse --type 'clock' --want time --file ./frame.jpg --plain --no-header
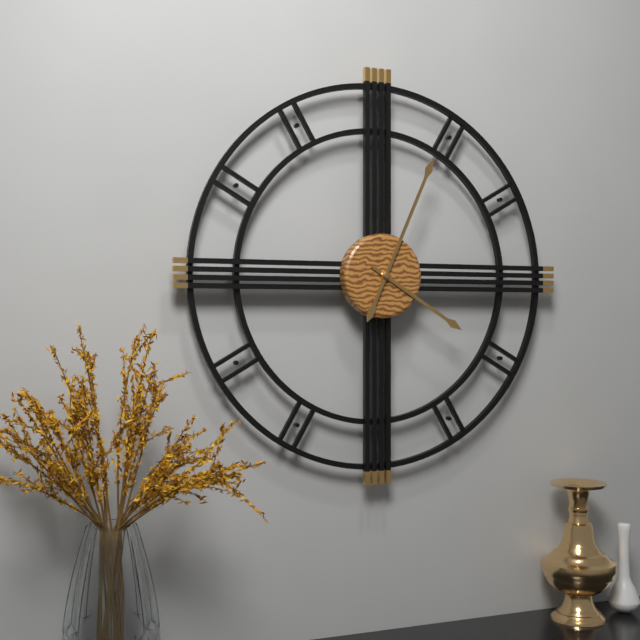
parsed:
4:04
